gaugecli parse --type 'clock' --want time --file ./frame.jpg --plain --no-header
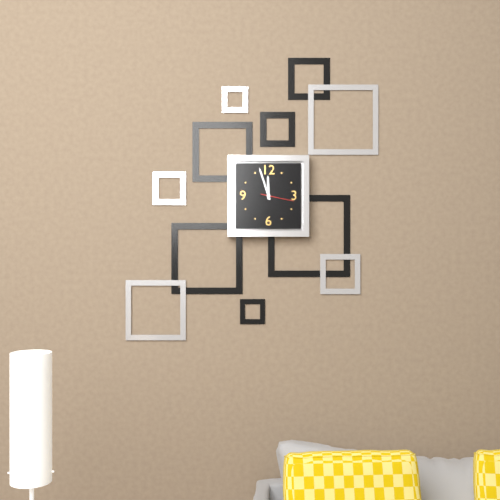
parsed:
11:57
